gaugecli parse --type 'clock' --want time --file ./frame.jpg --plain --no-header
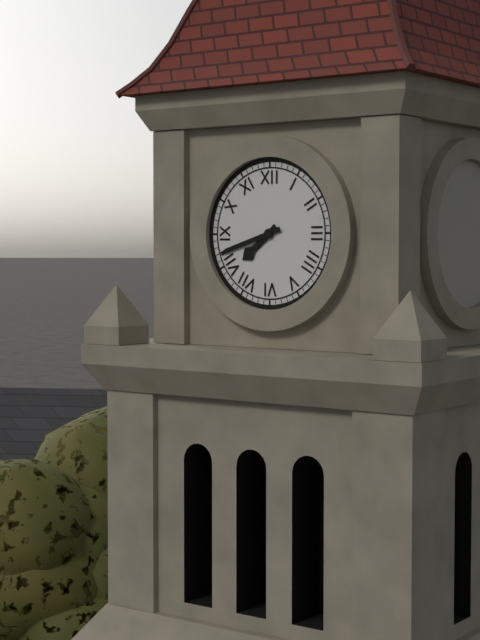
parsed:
7:42
